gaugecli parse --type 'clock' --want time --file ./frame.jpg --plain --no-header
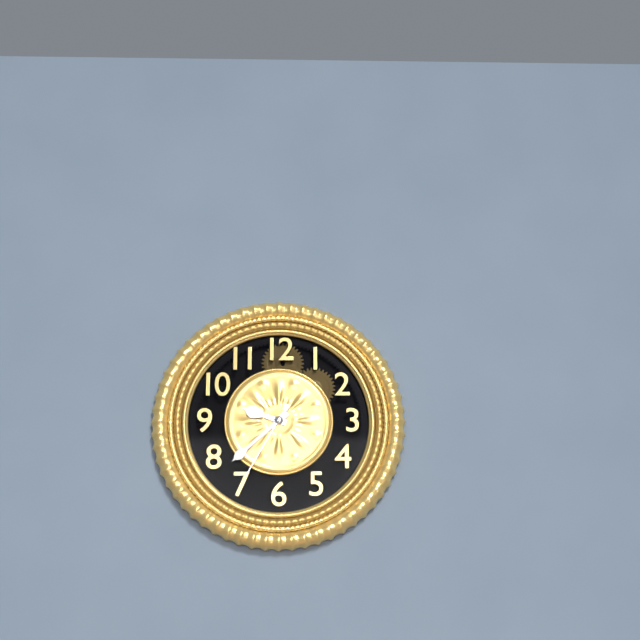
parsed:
9:38:35
